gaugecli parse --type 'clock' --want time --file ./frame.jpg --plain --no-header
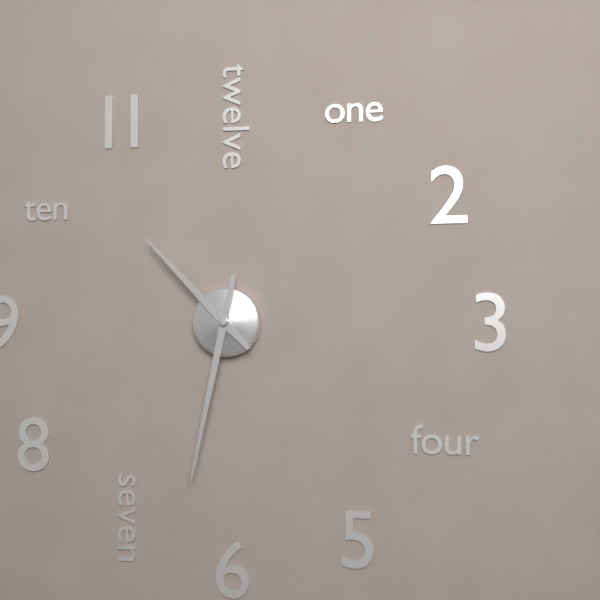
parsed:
10:32
